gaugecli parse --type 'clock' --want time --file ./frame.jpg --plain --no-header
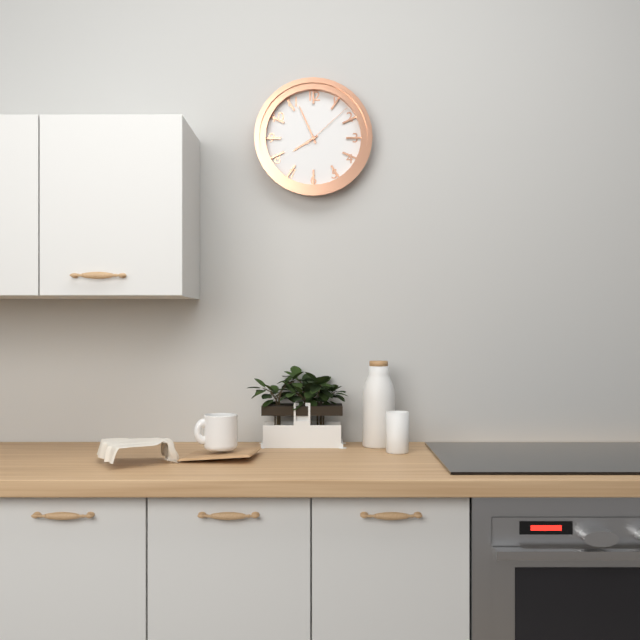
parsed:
7:56:08
